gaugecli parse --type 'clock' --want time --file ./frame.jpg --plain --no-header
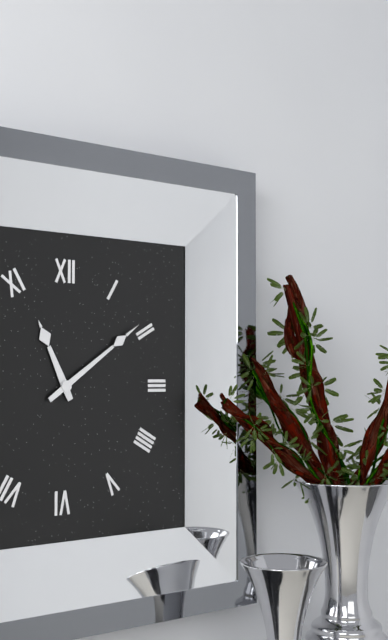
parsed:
11:09
